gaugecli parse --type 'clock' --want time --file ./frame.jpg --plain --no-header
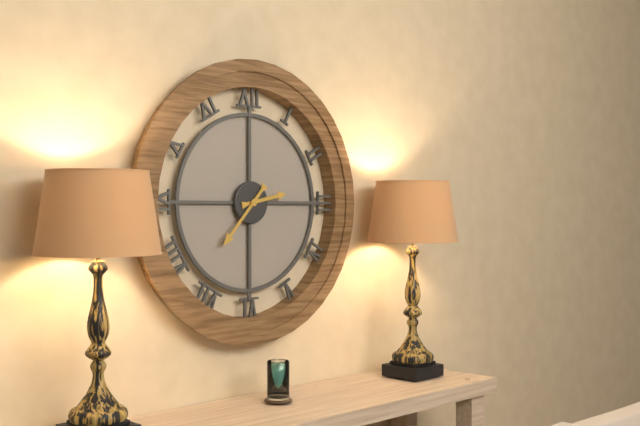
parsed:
2:37
